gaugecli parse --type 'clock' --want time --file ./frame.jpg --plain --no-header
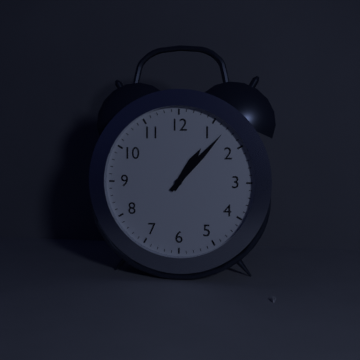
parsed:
1:07
